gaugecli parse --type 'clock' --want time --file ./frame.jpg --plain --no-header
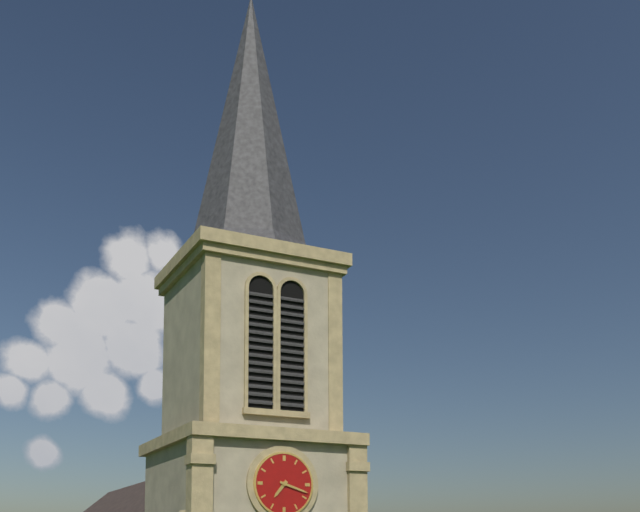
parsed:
7:18
